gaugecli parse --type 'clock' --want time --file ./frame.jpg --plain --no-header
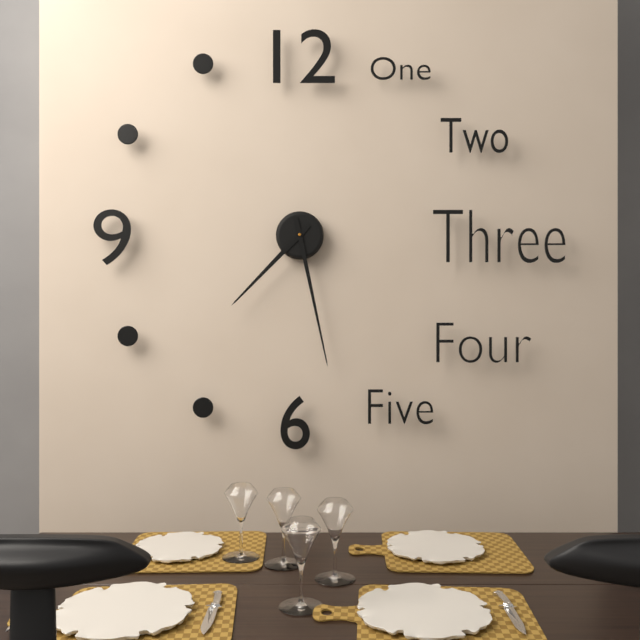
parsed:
7:28
